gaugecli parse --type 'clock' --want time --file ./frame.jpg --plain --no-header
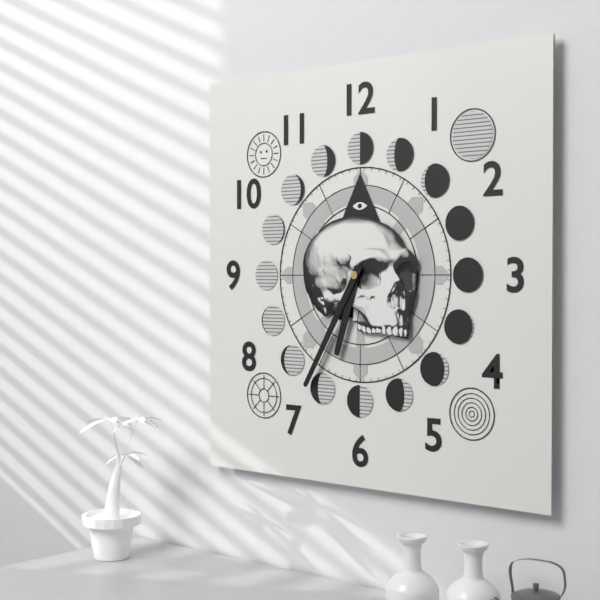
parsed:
6:35
